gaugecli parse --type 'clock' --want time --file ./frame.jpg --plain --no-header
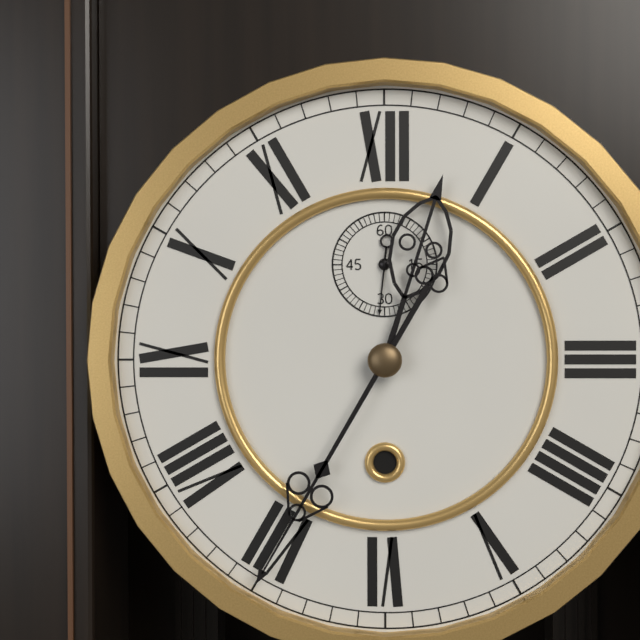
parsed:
12:35:31
